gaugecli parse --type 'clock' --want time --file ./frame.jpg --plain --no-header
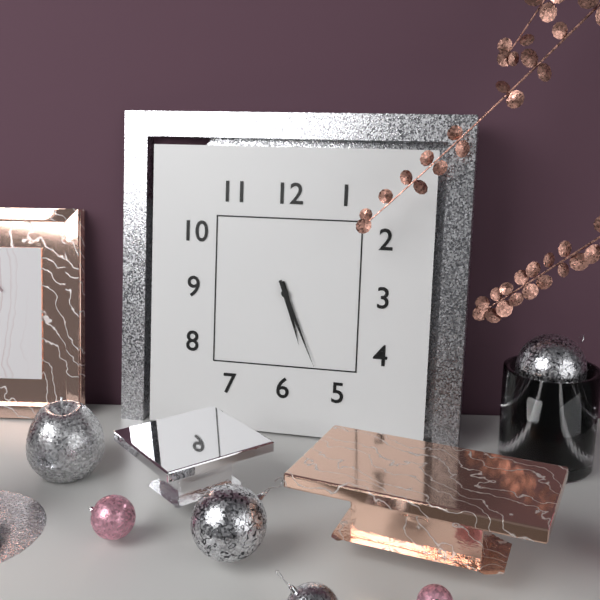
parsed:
5:26
